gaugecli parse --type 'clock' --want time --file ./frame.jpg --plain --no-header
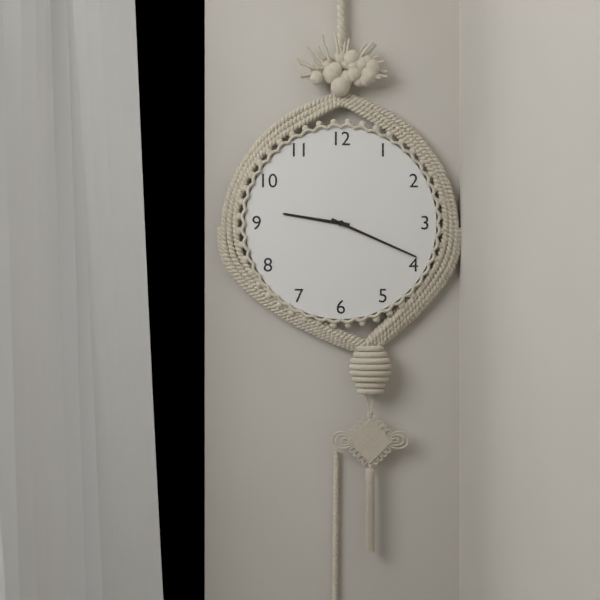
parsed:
9:19
